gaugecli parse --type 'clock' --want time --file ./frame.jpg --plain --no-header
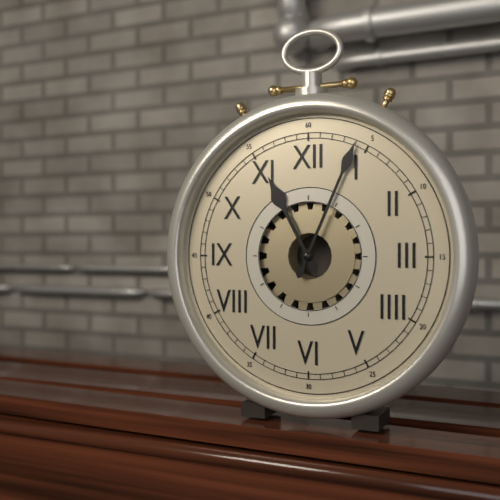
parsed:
11:04
